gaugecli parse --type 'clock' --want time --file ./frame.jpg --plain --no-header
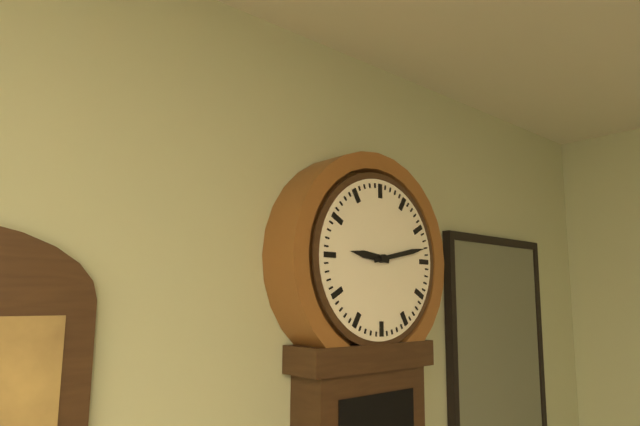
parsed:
9:13
